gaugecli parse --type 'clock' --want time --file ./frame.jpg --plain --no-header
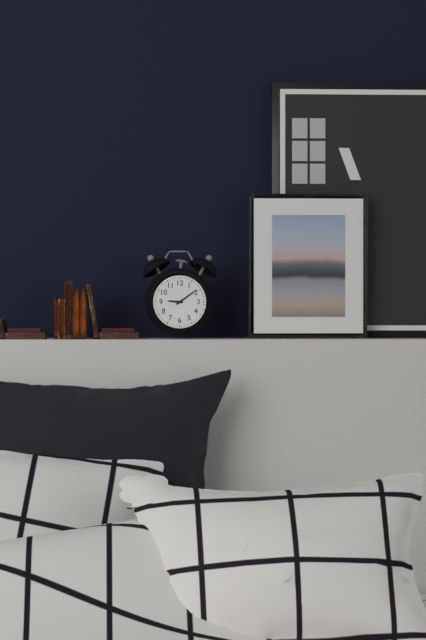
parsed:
9:09
